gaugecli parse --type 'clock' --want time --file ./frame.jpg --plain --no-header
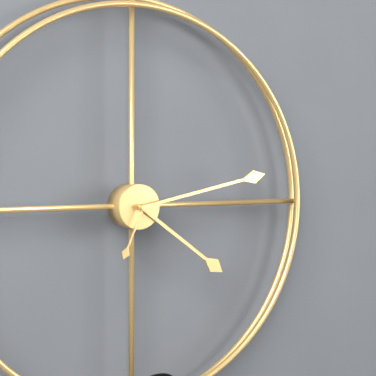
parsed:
4:13:34
